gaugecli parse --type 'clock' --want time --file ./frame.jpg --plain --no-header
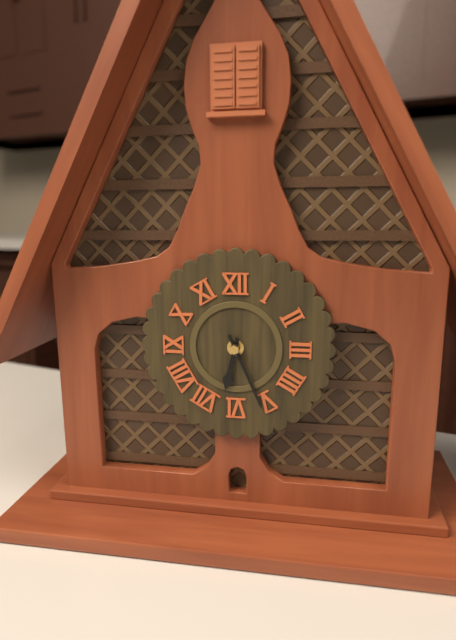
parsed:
6:26
